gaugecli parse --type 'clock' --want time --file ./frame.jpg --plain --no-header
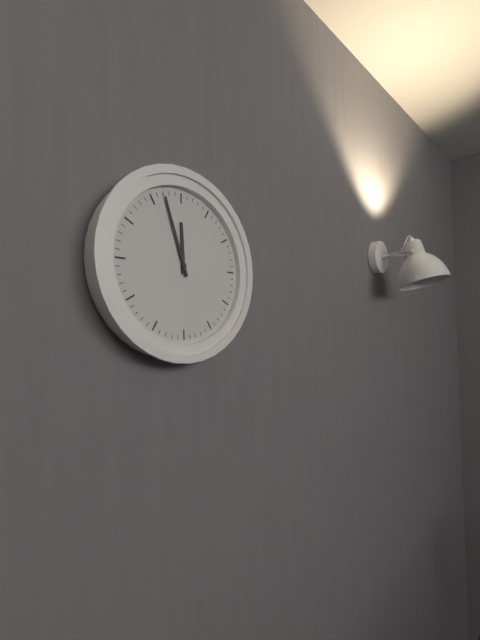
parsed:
11:57
